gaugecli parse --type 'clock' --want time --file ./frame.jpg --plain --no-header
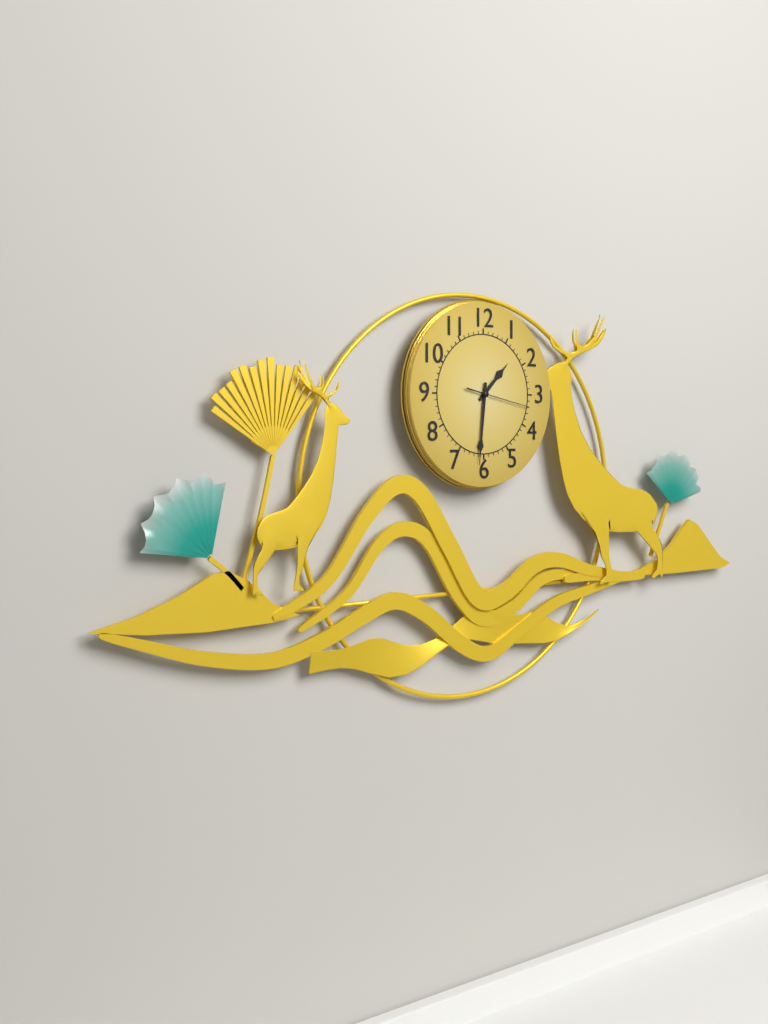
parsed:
1:31:17
